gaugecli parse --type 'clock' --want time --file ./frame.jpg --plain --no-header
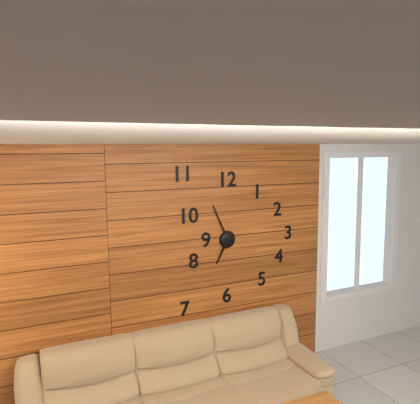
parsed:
6:56
